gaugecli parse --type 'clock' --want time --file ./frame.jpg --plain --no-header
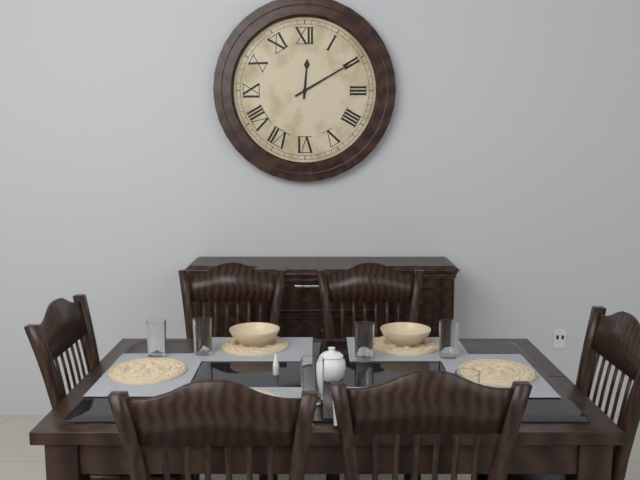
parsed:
12:10
